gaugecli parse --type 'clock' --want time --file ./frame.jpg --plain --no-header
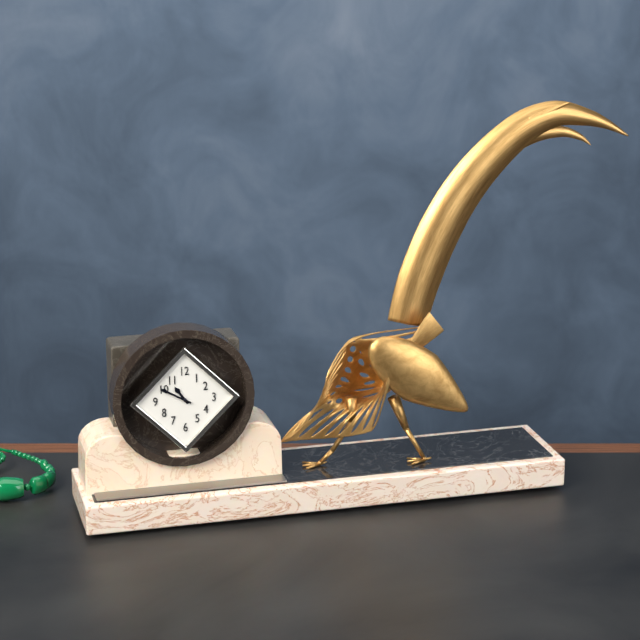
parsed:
10:50
